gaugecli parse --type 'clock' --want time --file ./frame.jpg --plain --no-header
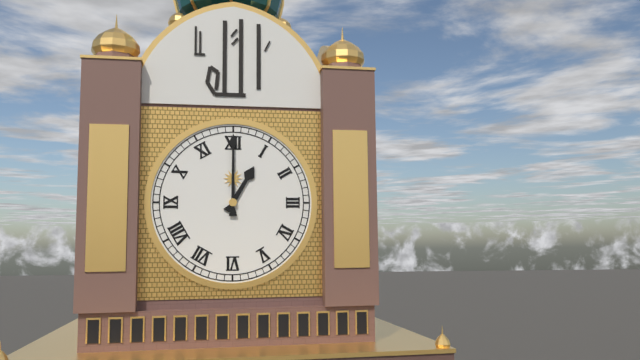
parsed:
1:00
